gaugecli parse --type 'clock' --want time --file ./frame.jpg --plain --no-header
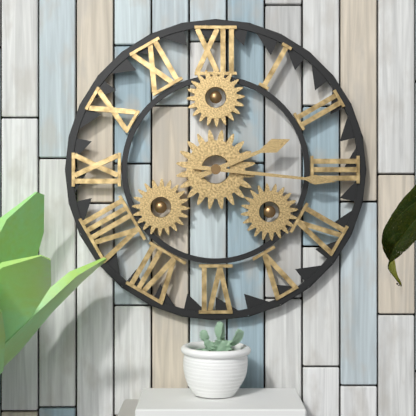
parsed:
2:16
